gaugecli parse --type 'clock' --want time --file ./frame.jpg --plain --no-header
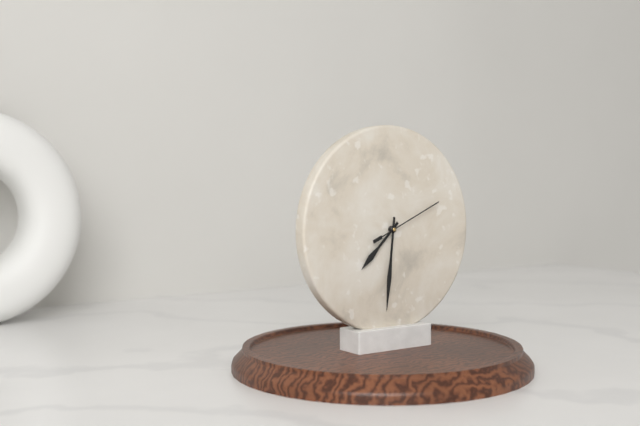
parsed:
7:31:11
